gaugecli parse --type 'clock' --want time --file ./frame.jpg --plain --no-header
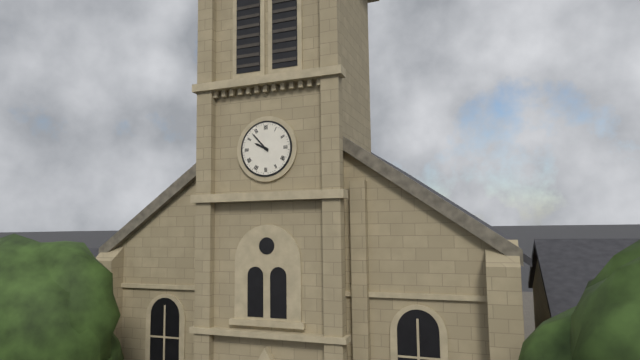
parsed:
9:53
